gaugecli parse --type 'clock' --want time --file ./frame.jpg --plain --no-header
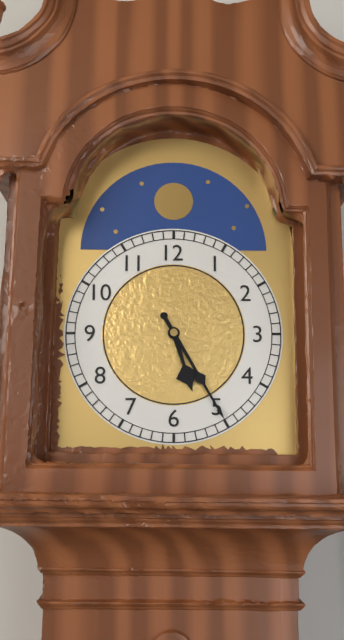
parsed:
5:25
